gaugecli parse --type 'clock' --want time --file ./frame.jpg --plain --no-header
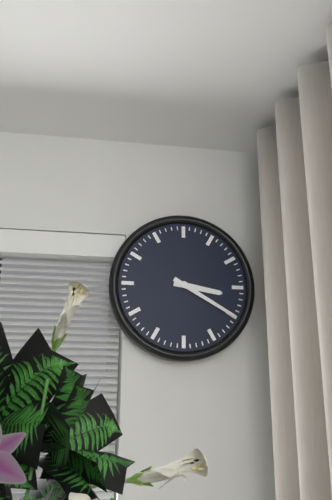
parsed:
3:20
